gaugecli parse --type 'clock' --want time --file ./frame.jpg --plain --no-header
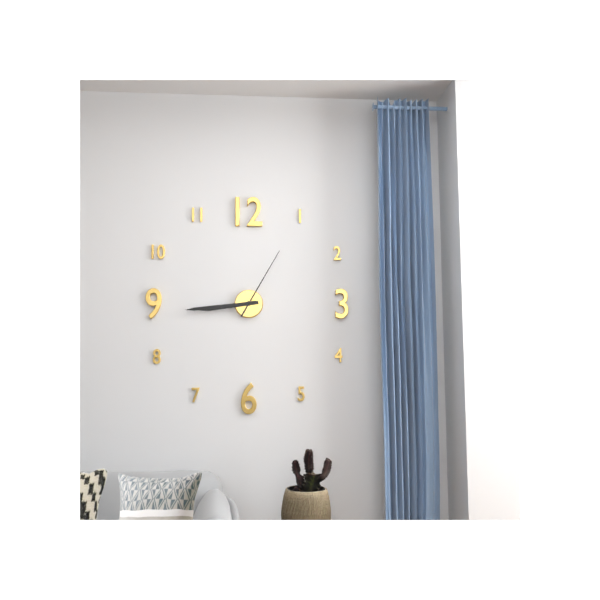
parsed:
8:44:05
